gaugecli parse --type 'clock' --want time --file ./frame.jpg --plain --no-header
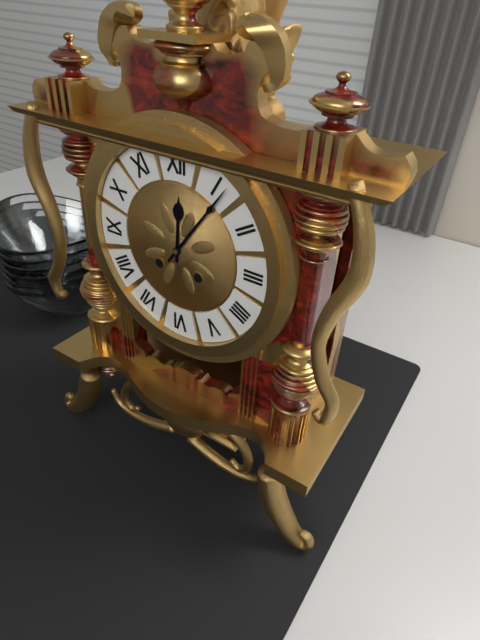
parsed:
12:06
